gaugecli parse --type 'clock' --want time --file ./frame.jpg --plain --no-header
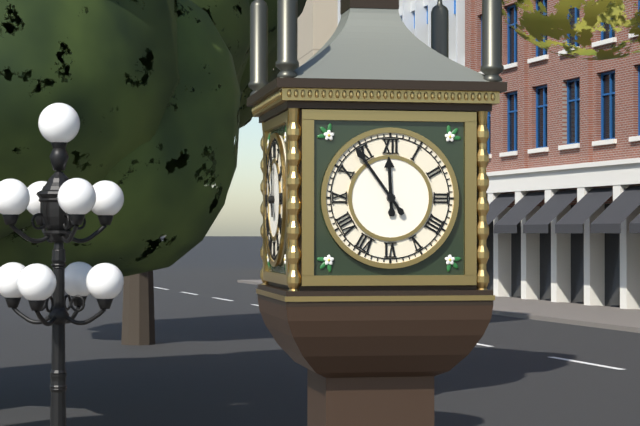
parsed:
11:54
